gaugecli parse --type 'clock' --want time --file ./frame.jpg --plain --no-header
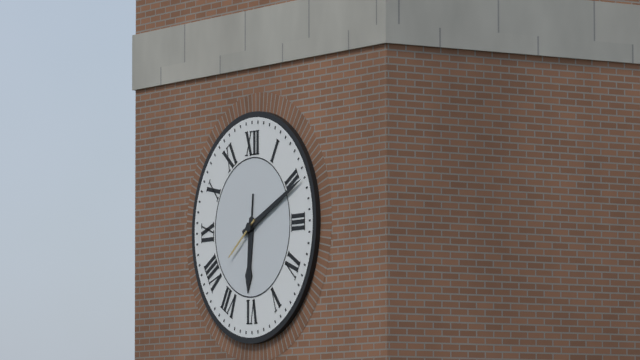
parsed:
6:11
